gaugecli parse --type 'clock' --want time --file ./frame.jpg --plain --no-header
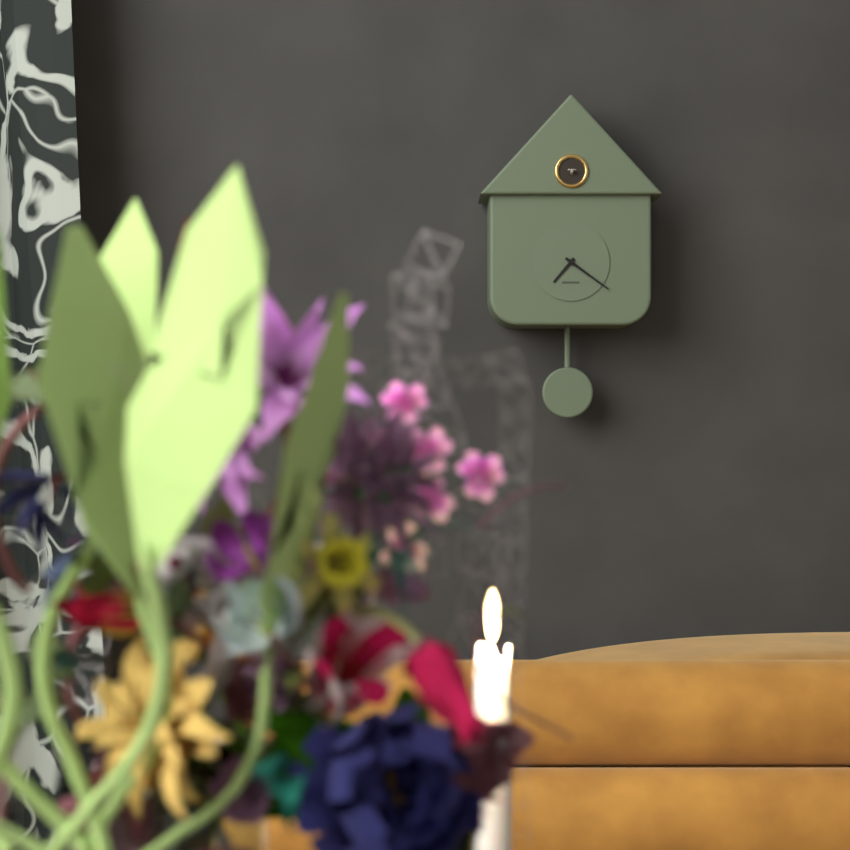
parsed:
7:21
